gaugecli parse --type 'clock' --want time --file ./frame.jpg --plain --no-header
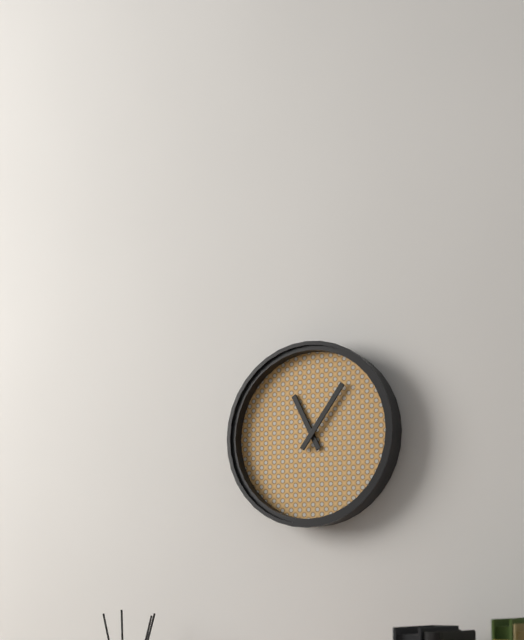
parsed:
11:06
